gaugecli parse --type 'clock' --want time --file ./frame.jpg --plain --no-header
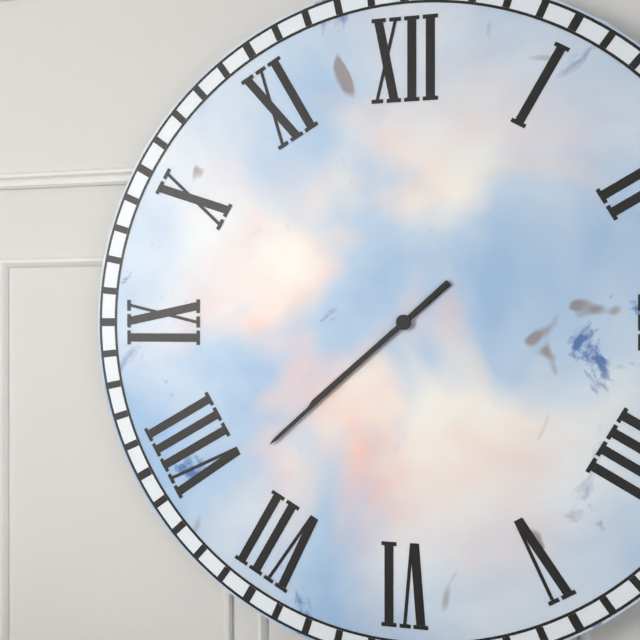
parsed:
7:38
